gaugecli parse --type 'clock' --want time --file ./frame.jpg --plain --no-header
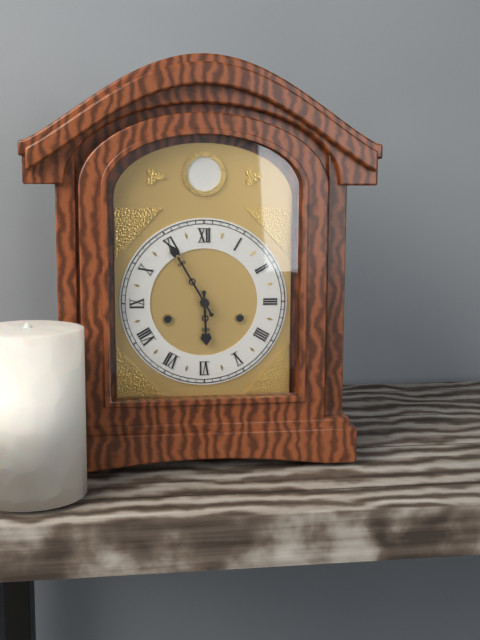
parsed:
5:55
